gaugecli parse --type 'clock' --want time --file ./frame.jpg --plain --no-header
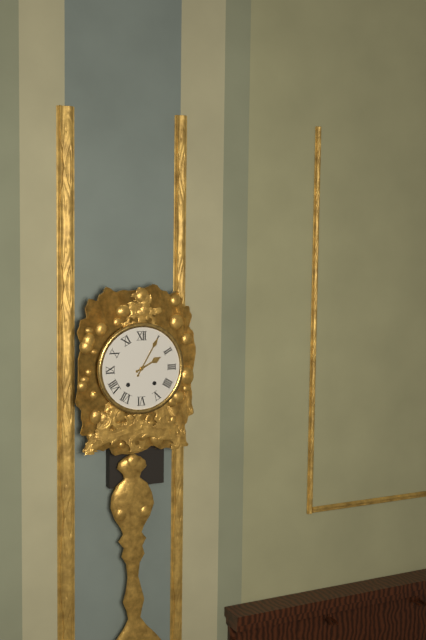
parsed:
2:05
